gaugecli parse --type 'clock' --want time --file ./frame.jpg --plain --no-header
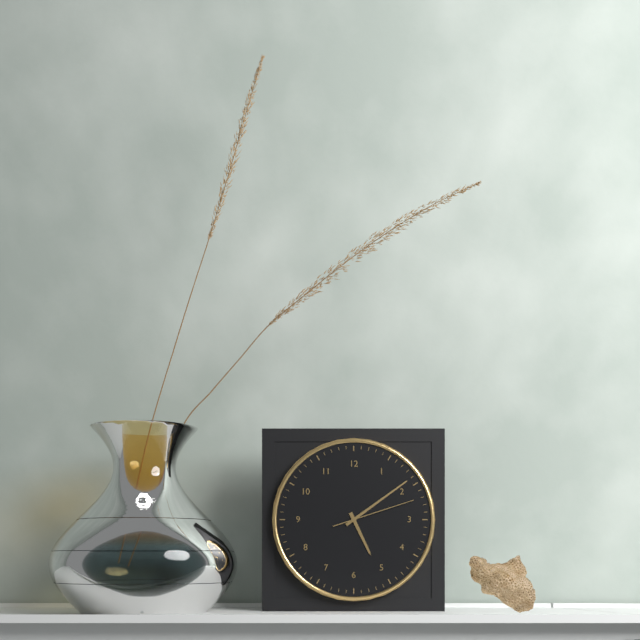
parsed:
5:09:12
